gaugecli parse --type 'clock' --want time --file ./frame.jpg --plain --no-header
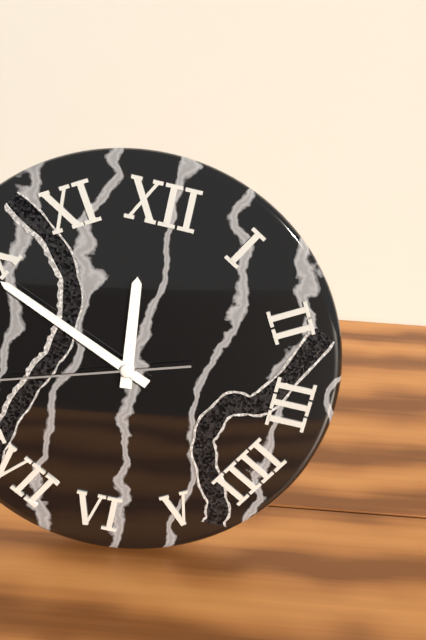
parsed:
11:49
